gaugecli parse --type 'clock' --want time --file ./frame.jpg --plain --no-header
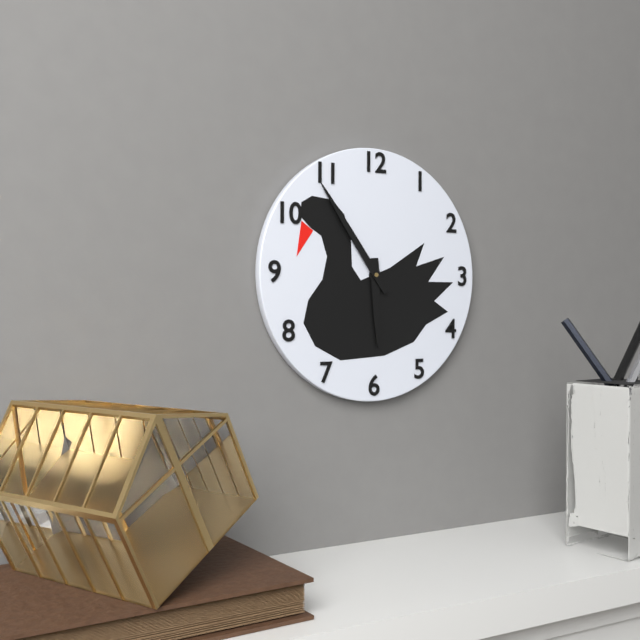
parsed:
5:54
